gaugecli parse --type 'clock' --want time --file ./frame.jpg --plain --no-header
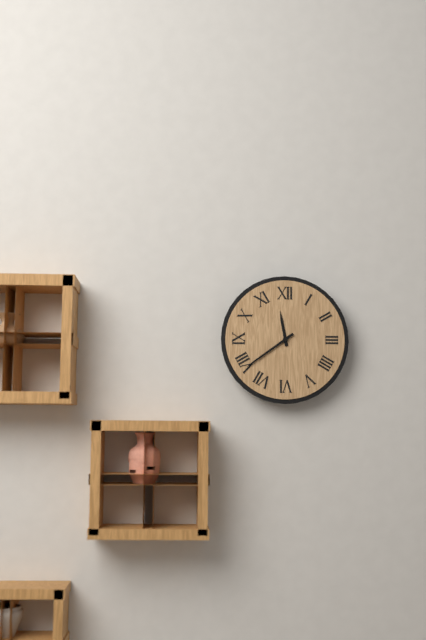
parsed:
11:39
